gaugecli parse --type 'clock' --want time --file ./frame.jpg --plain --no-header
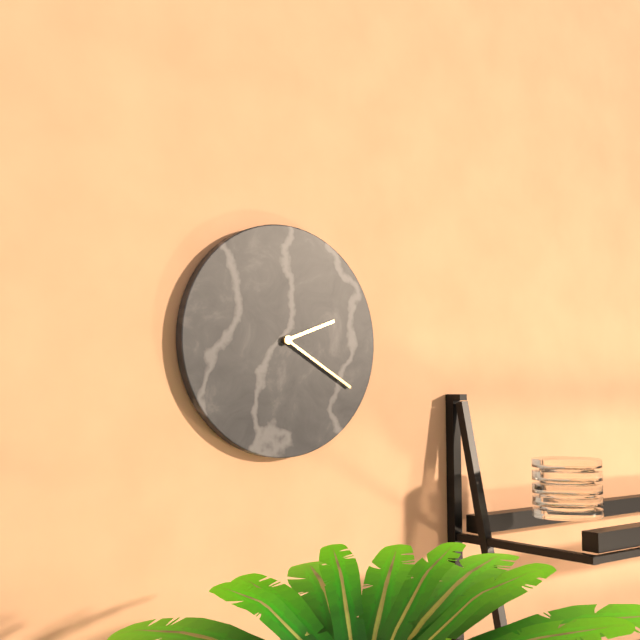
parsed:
2:20
